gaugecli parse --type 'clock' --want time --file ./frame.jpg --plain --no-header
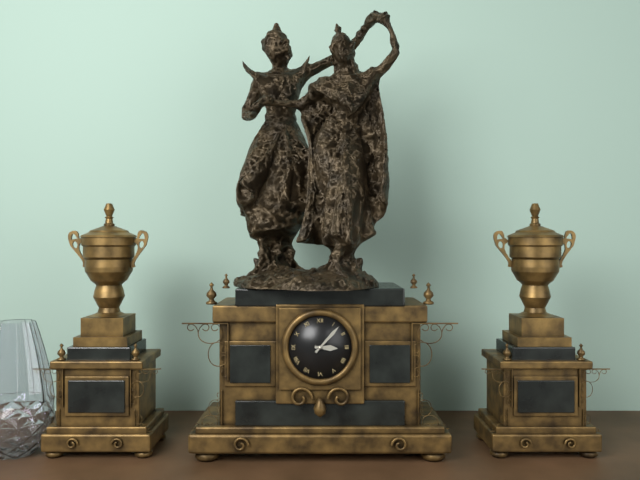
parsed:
3:07
